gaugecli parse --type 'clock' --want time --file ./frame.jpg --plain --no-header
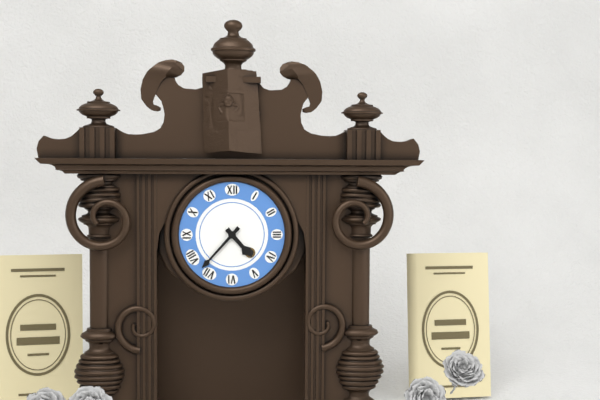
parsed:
4:37
